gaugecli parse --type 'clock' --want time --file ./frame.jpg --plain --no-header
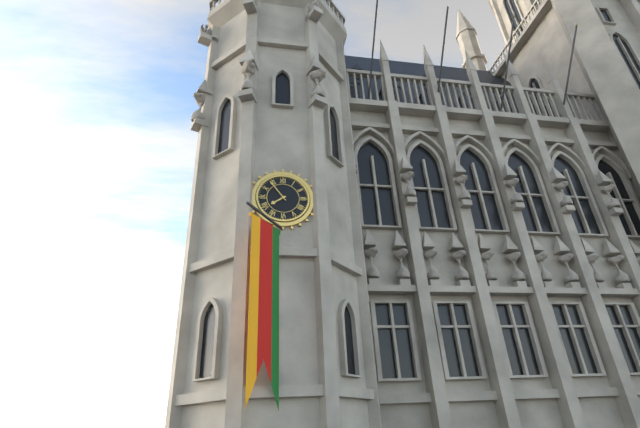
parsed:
7:54
